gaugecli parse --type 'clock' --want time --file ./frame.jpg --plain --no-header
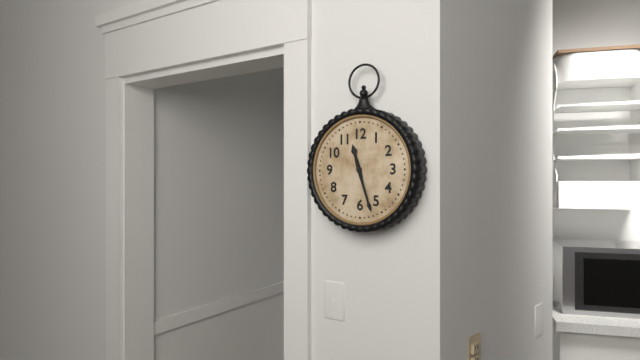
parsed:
11:27
